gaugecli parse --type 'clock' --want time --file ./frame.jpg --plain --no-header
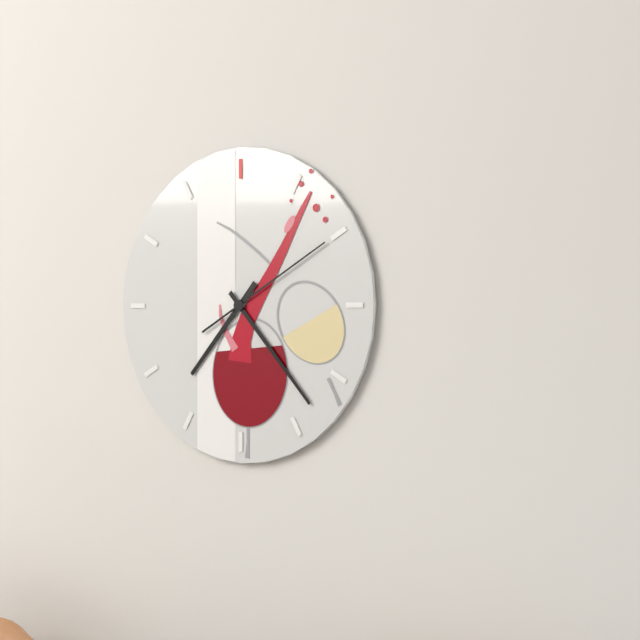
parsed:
7:23:10
